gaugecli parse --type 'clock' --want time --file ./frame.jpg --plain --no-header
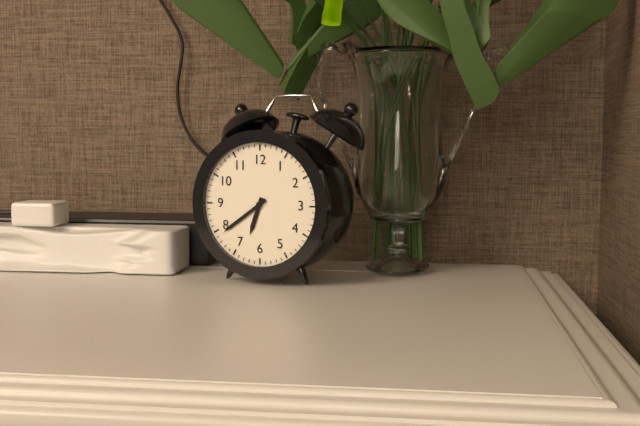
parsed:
6:39
